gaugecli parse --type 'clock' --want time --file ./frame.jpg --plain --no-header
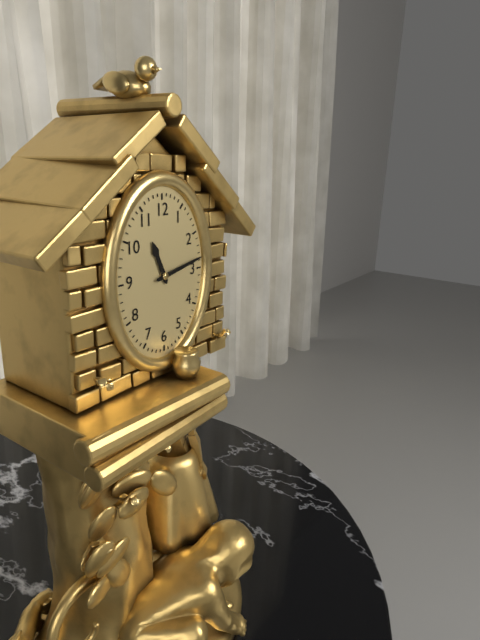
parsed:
11:13
